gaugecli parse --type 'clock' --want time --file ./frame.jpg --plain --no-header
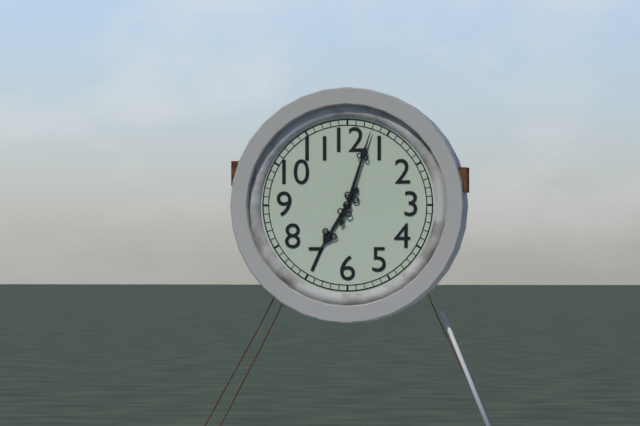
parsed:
7:03
